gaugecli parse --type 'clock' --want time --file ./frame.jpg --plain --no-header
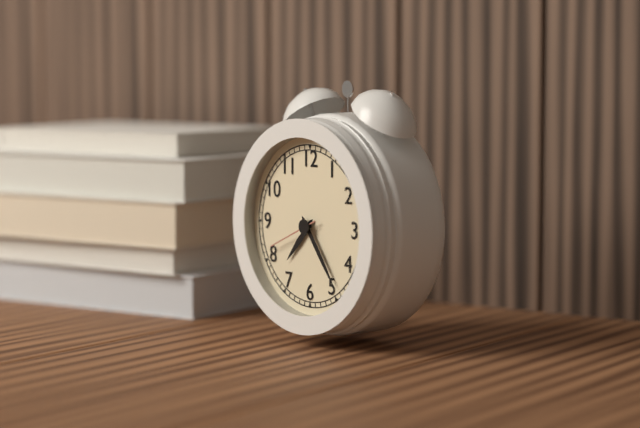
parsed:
7:24:41
